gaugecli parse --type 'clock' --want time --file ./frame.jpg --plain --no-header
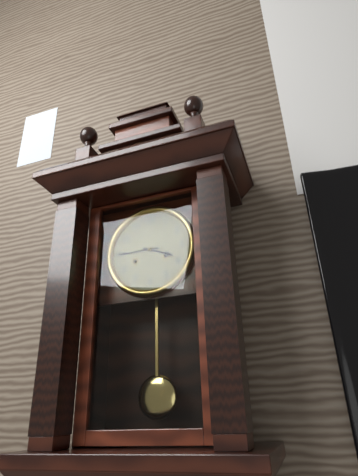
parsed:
3:45
